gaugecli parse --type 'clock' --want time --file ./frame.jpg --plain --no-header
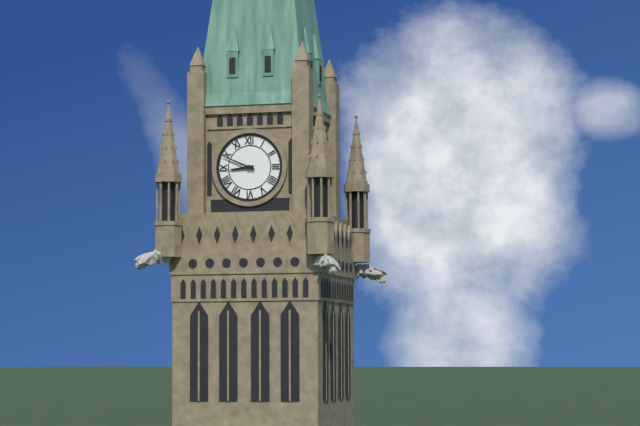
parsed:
8:49
